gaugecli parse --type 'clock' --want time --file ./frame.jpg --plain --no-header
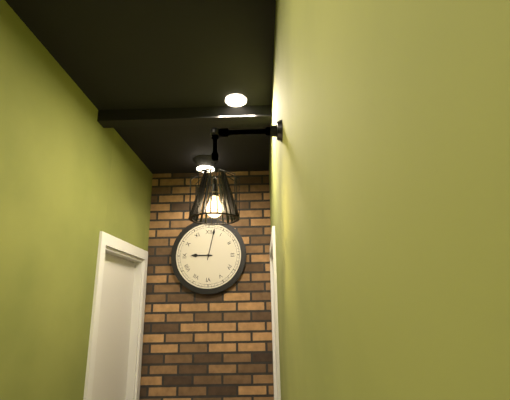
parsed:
9:02
